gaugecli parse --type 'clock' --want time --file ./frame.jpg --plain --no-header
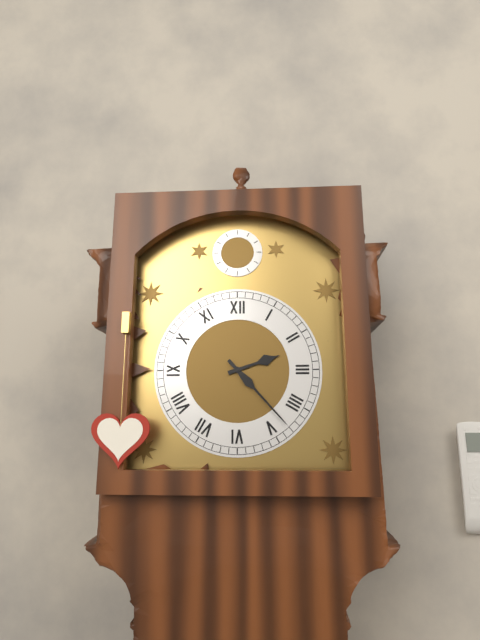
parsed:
2:23
